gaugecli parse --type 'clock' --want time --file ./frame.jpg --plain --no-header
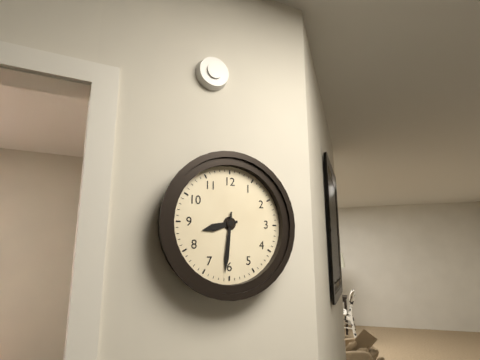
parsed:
8:31
